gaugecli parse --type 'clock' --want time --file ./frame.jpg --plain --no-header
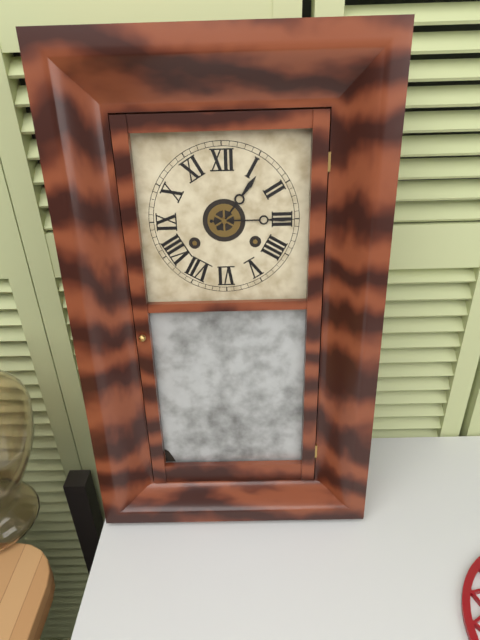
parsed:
1:15
